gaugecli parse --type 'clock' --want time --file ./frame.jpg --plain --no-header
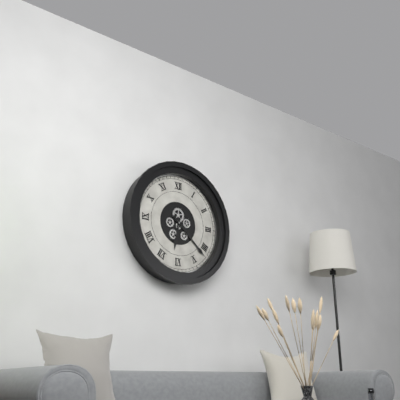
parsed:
6:22
